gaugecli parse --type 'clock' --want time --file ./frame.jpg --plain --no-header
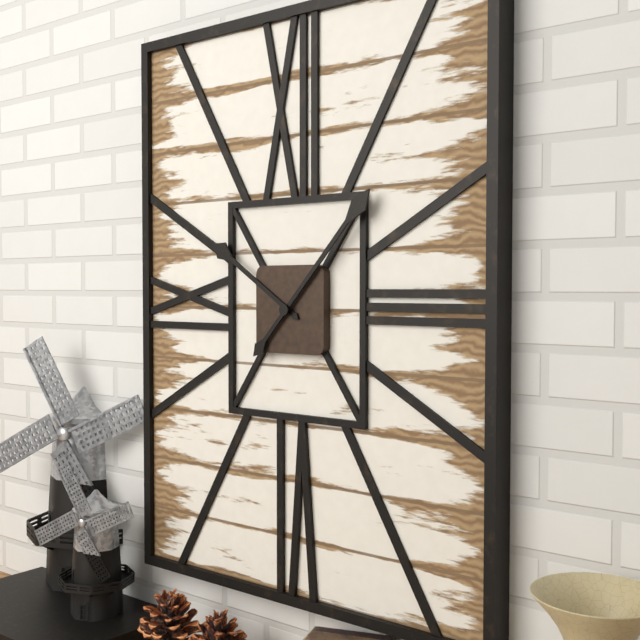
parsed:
10:07
